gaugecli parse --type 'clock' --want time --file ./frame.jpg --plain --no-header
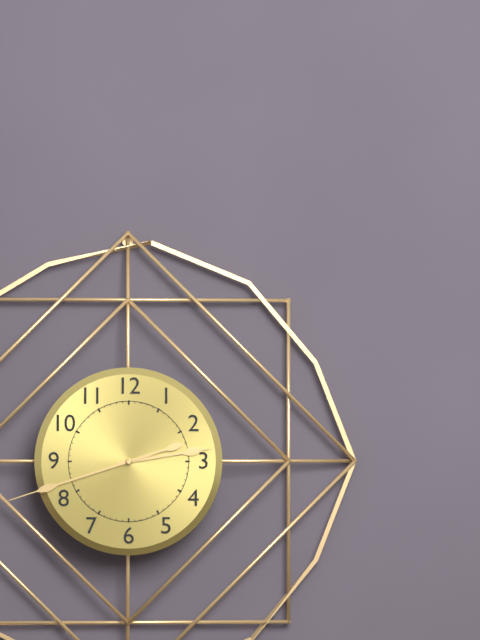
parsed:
2:42
